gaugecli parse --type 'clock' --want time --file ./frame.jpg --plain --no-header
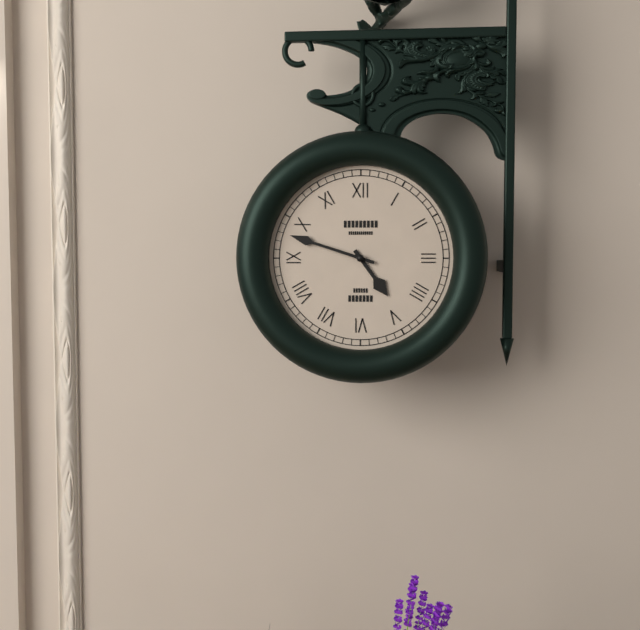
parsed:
4:48
